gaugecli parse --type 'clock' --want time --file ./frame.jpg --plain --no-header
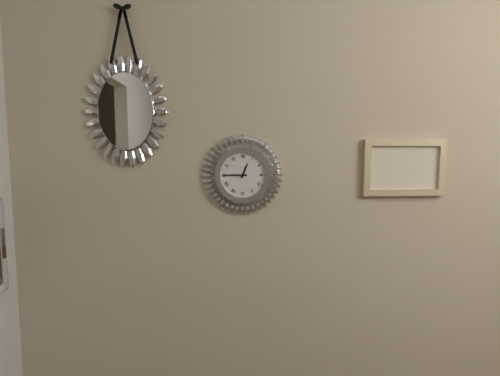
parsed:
12:45
